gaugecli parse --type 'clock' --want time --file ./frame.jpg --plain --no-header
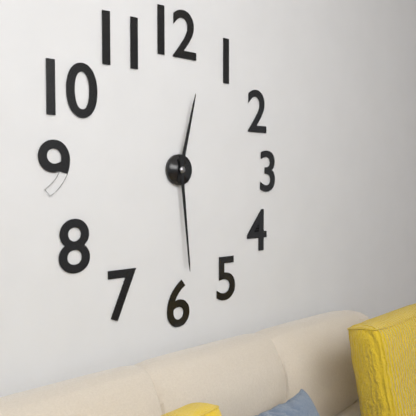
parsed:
12:29
